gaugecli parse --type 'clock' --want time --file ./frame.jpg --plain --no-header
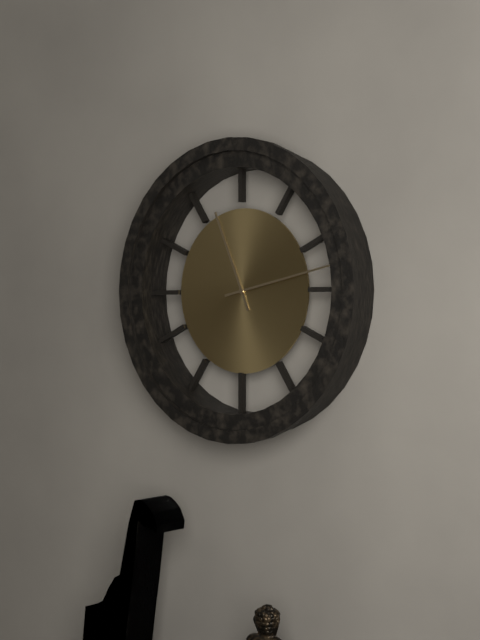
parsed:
11:13
